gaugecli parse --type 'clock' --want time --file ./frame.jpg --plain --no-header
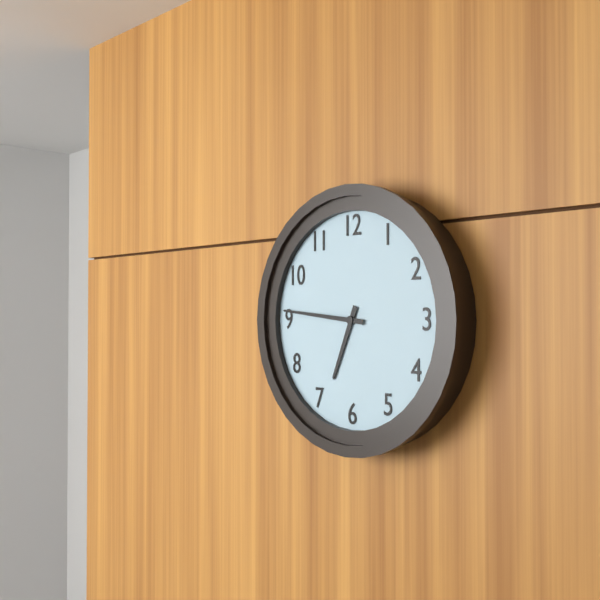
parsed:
6:46
